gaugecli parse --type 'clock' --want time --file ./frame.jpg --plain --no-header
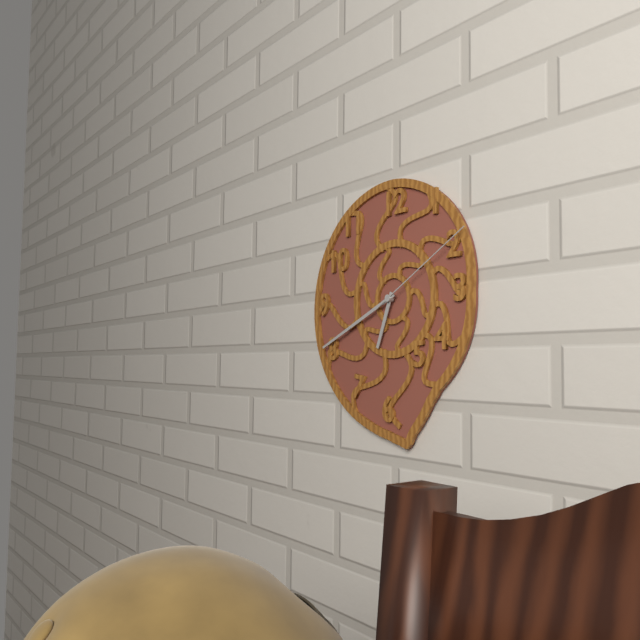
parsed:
6:41:10
